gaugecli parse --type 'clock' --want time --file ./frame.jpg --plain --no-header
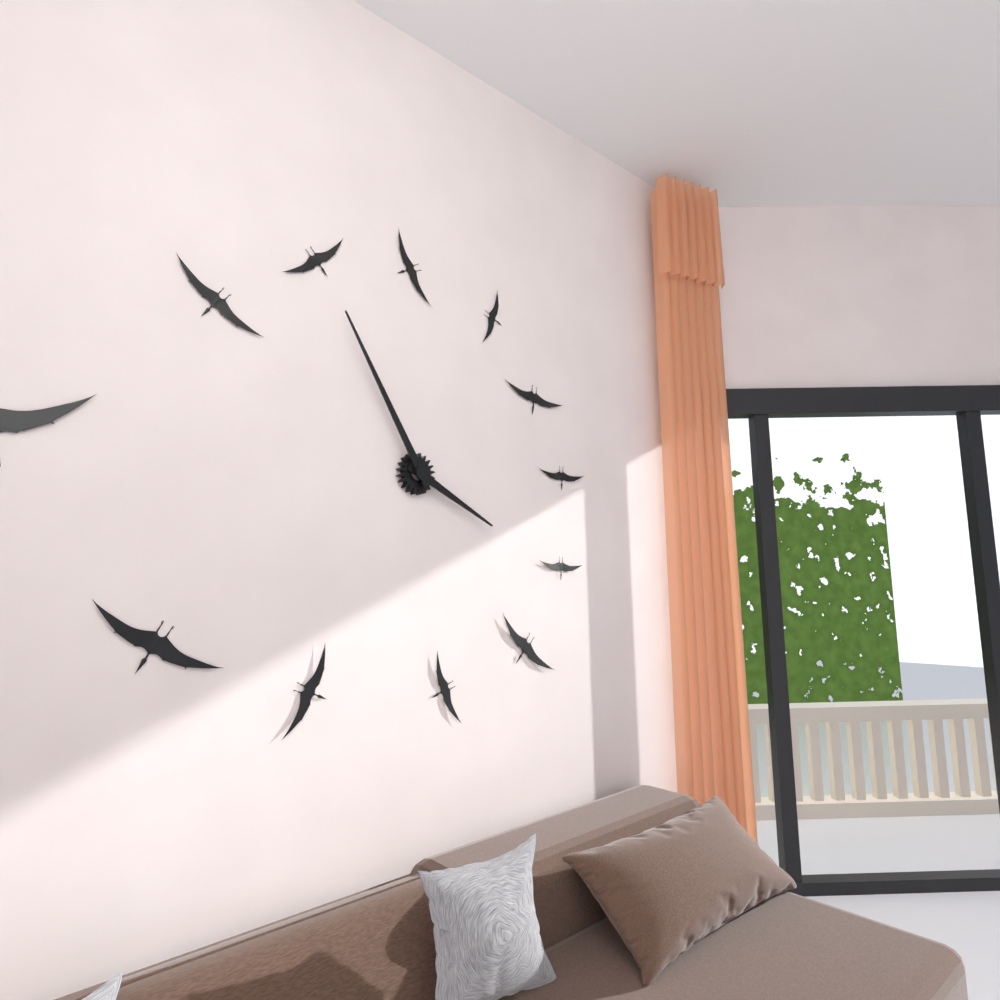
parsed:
3:55
